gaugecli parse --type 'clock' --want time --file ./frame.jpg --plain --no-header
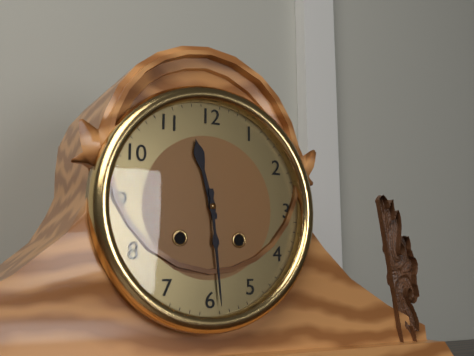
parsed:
11:29
